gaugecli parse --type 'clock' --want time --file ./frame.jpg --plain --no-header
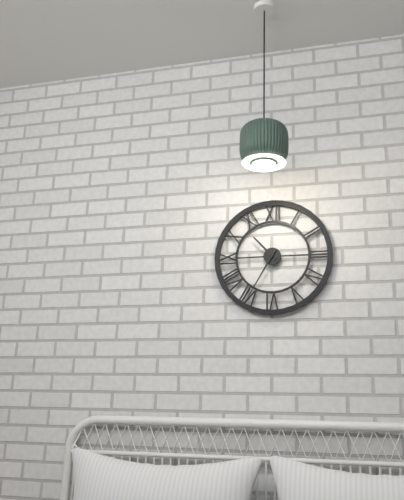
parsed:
10:35
